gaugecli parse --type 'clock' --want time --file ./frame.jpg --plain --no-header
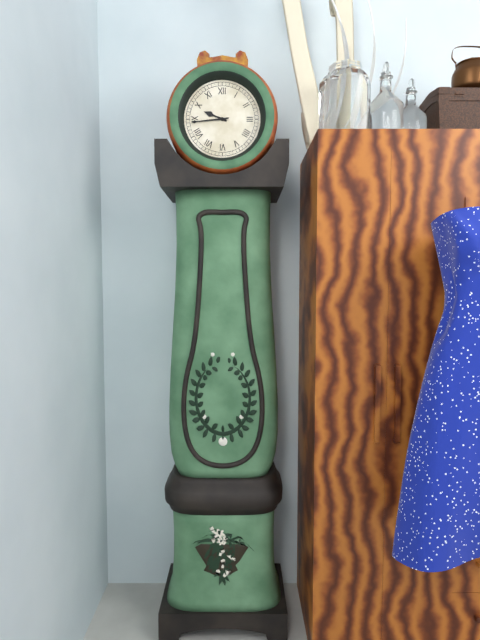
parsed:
9:44
